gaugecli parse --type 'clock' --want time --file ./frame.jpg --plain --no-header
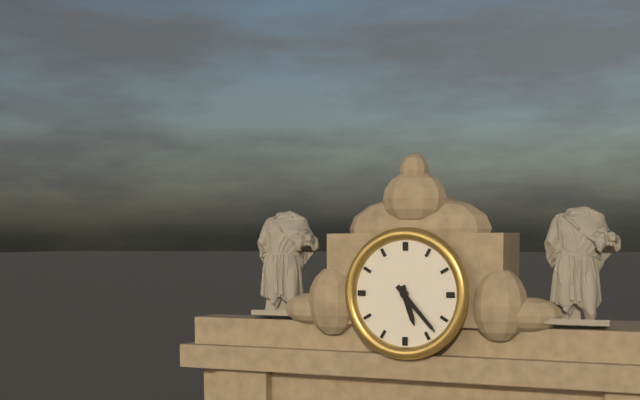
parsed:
5:23
